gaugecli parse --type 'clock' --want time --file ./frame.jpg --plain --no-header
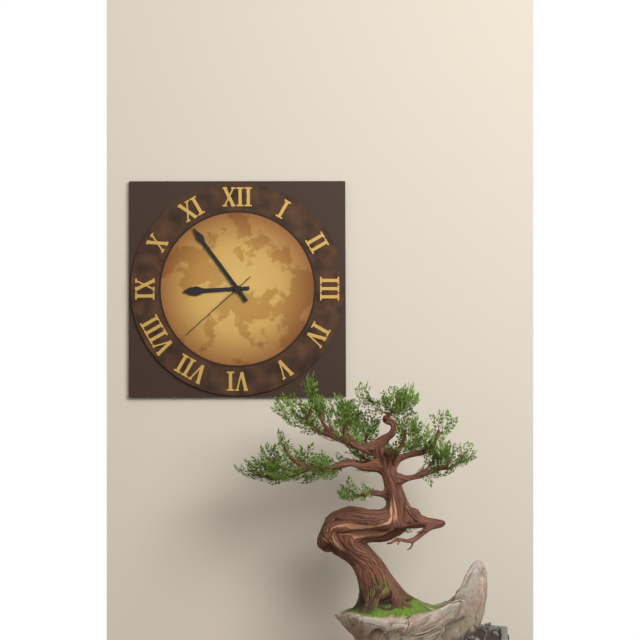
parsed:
8:54:38
